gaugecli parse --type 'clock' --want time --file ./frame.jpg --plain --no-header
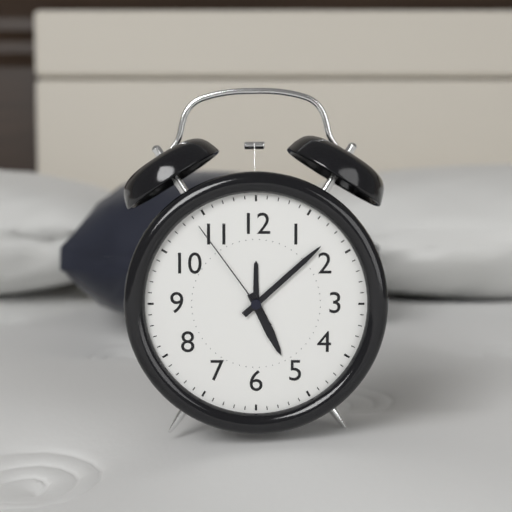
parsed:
5:08:54
